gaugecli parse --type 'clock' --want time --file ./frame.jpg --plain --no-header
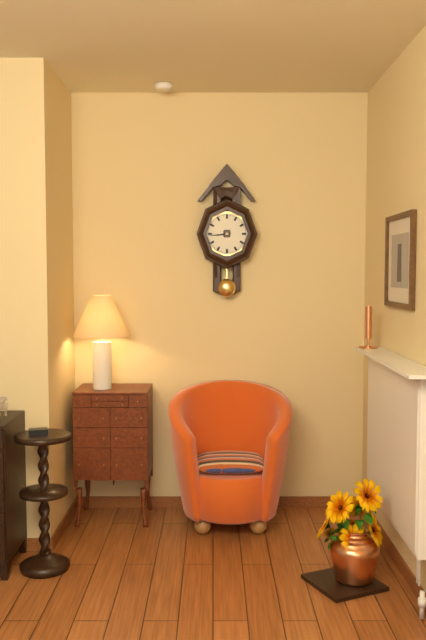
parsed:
8:44
